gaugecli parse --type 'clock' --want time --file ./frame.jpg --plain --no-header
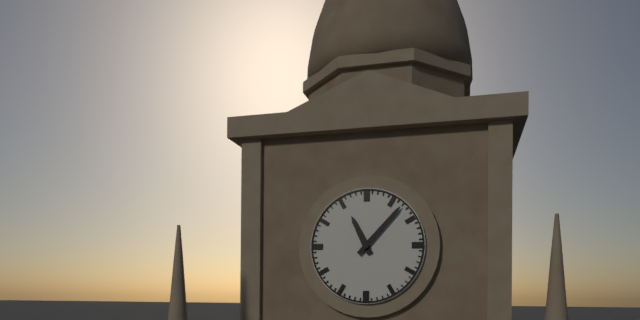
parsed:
11:07
